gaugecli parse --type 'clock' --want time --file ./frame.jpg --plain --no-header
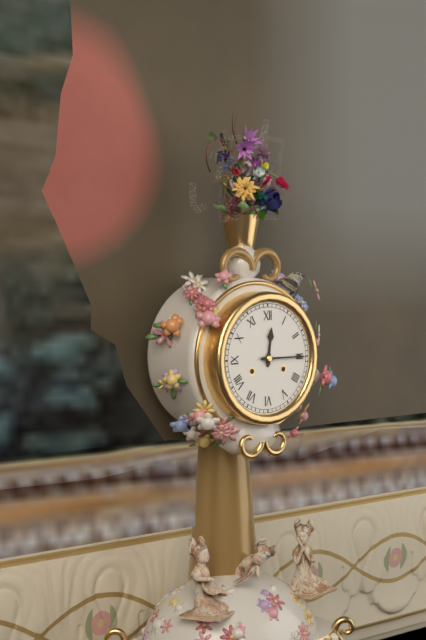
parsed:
12:15
